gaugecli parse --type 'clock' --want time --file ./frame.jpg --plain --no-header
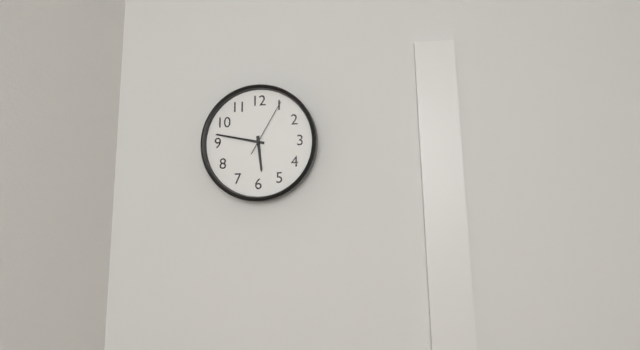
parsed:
5:47:05
